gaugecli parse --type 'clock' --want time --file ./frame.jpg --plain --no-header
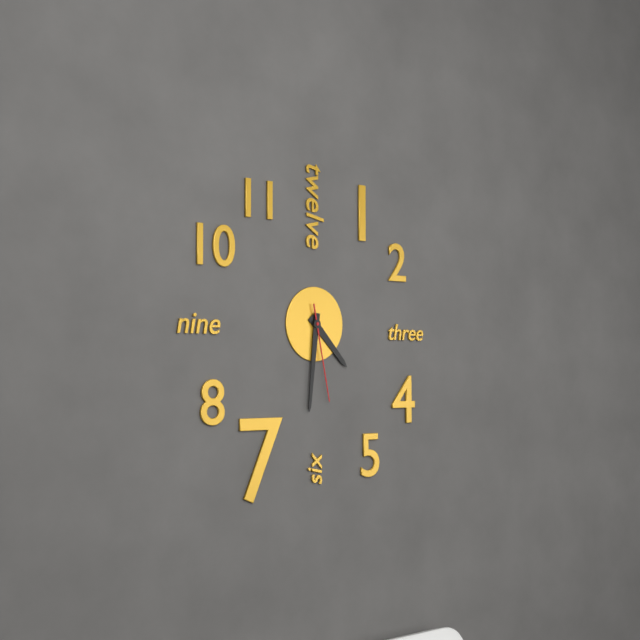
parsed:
4:31:28
